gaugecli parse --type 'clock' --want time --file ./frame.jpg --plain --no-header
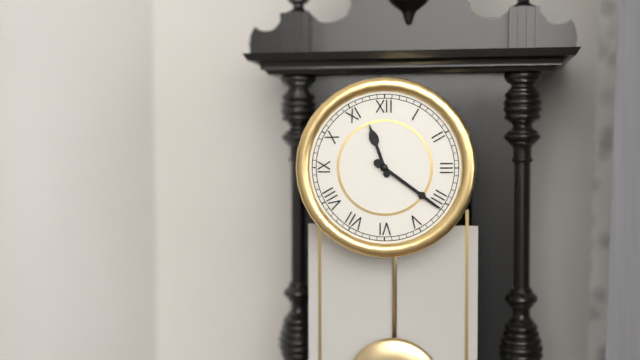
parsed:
11:21
